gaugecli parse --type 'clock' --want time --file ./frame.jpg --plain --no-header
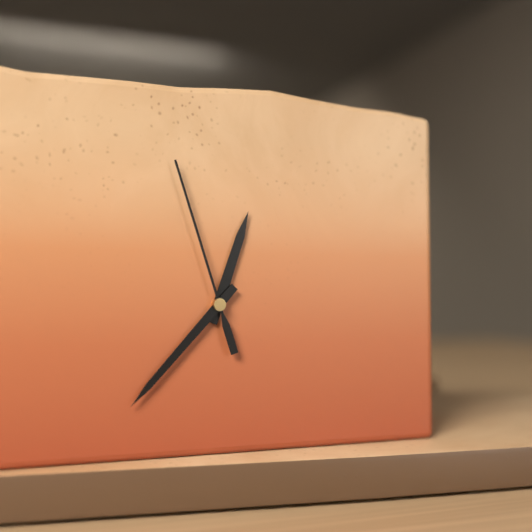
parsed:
12:37:57
